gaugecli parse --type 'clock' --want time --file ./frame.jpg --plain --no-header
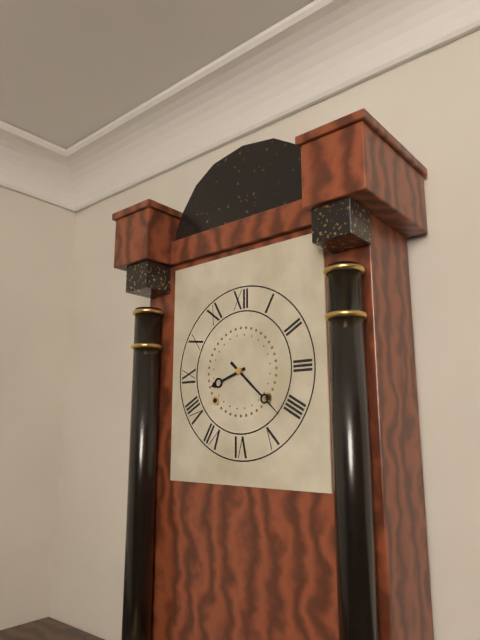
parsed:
8:22
